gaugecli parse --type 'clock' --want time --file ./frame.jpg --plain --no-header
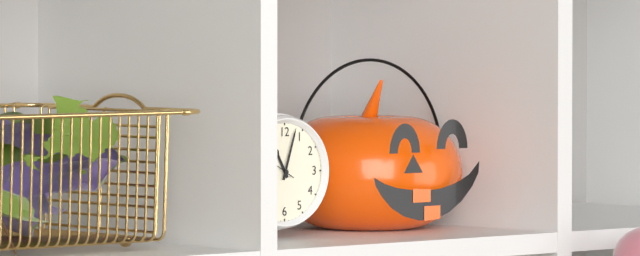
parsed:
11:03
